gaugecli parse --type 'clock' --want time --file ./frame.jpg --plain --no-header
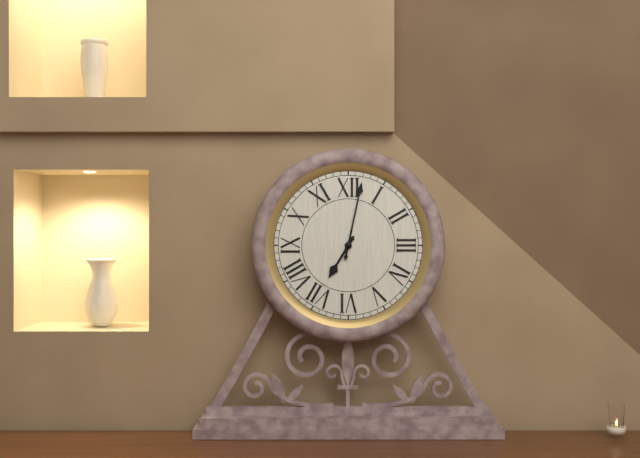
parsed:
7:02
